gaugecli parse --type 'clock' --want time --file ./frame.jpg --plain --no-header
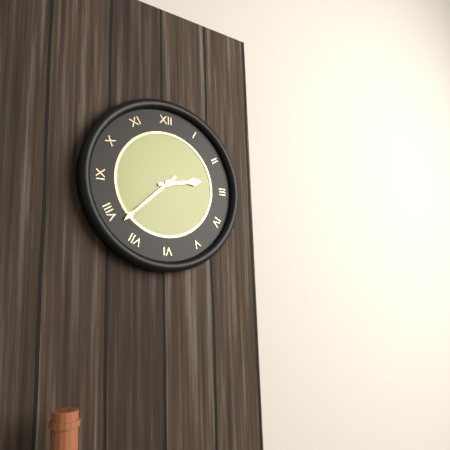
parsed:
2:38
